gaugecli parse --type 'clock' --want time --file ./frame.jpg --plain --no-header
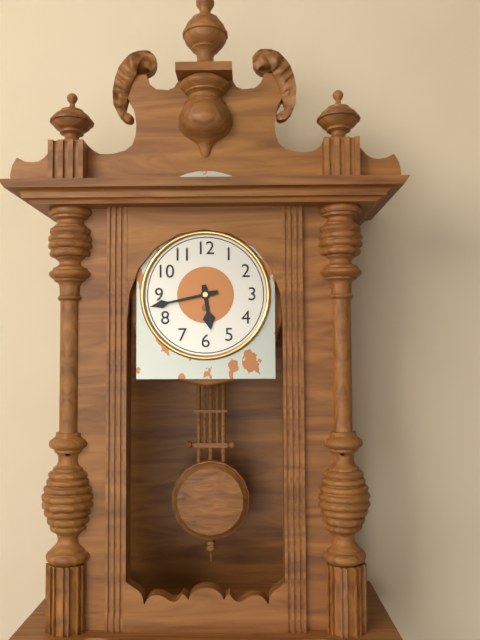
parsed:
5:43
